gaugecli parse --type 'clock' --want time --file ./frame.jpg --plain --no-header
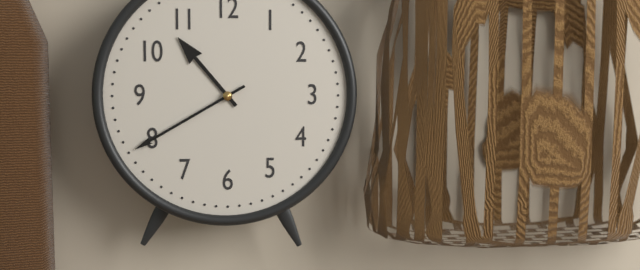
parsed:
10:40
